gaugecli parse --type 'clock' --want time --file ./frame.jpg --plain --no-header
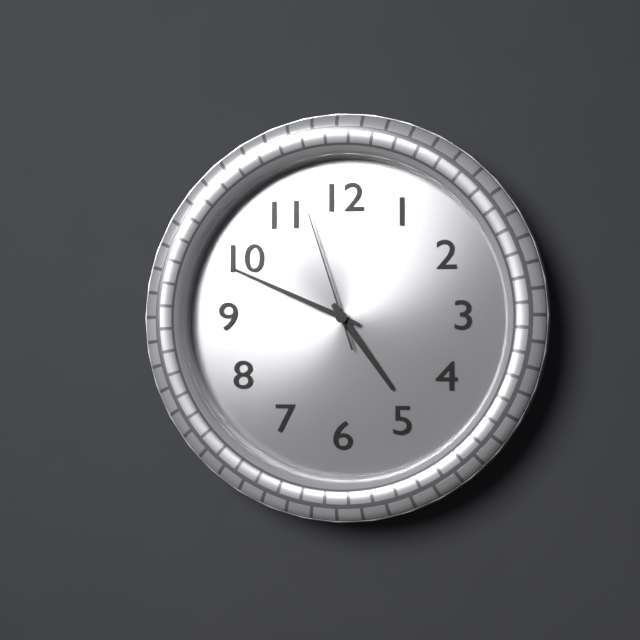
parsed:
4:49:57
